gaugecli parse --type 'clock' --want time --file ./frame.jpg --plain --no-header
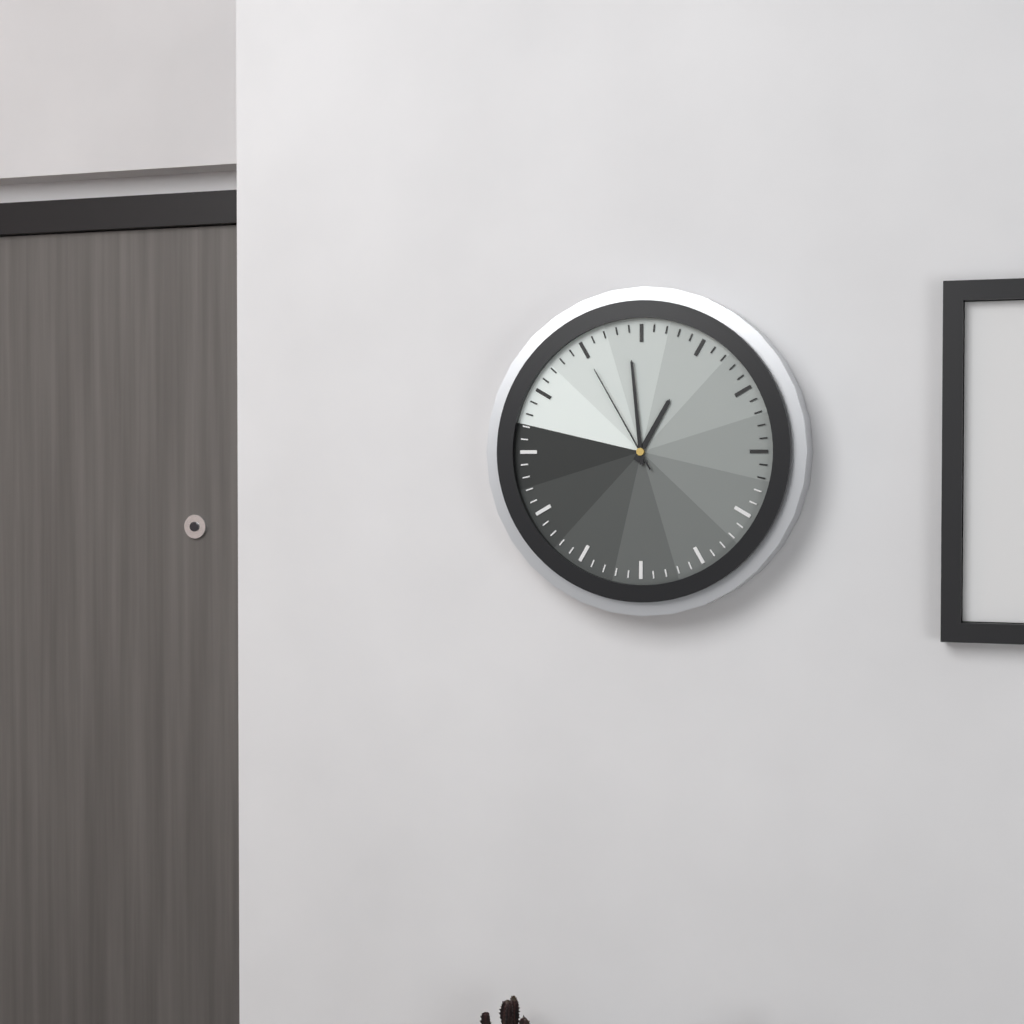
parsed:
12:59:55
